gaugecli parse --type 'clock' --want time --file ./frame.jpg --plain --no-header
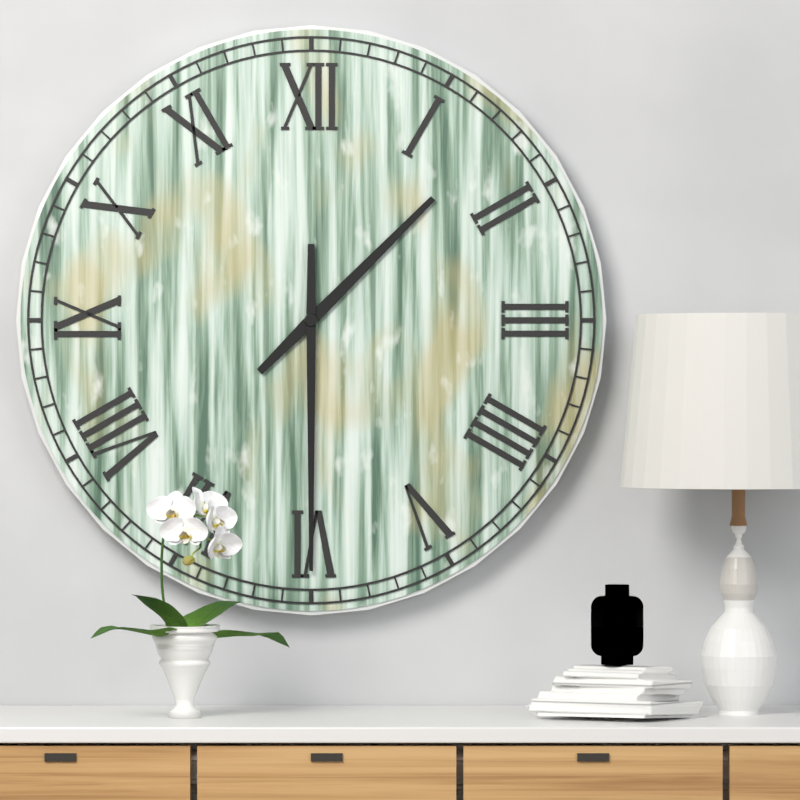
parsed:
1:30
